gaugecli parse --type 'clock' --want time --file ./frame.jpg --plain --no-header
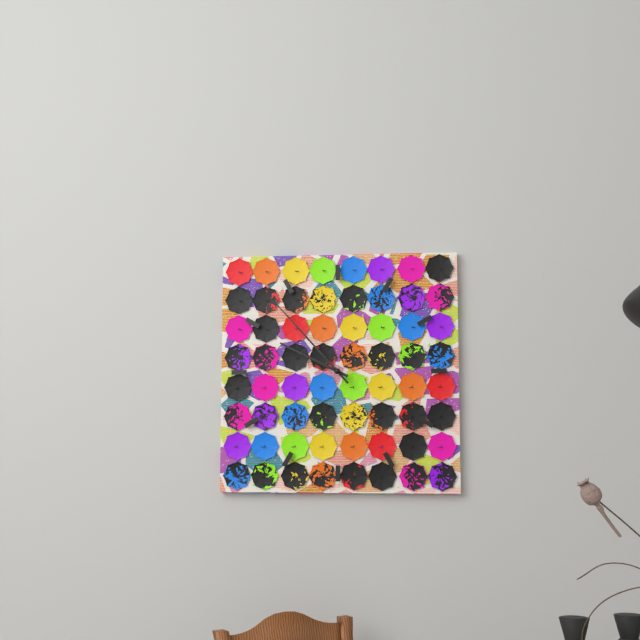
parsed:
9:53
